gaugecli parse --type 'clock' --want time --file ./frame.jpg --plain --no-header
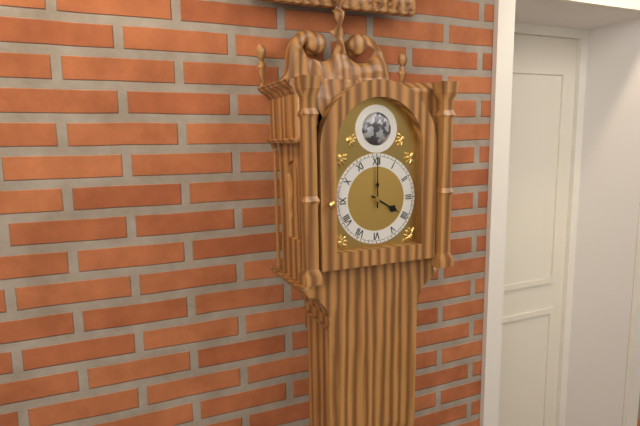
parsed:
4:00
